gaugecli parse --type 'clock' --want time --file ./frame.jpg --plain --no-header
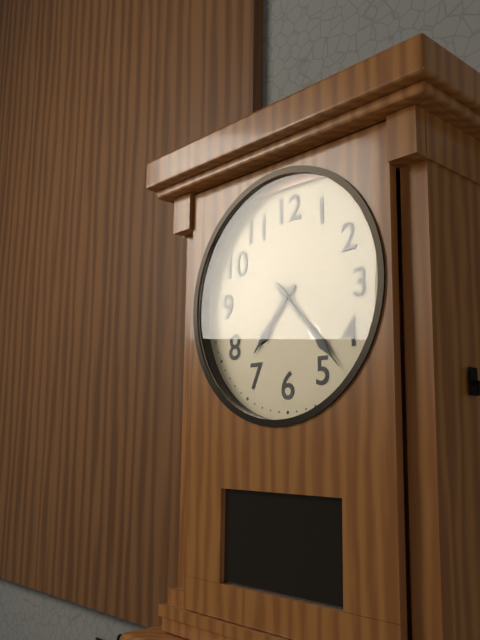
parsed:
7:23
